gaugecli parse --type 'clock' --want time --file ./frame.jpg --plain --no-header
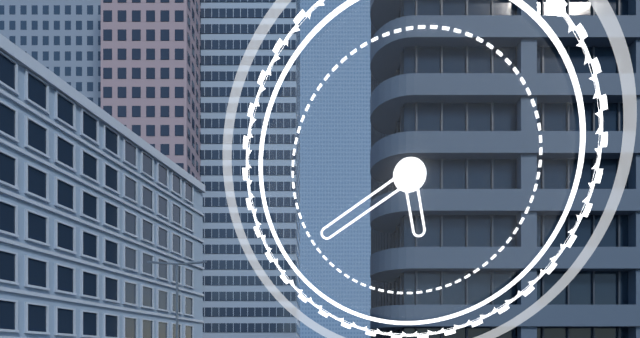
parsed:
5:40
